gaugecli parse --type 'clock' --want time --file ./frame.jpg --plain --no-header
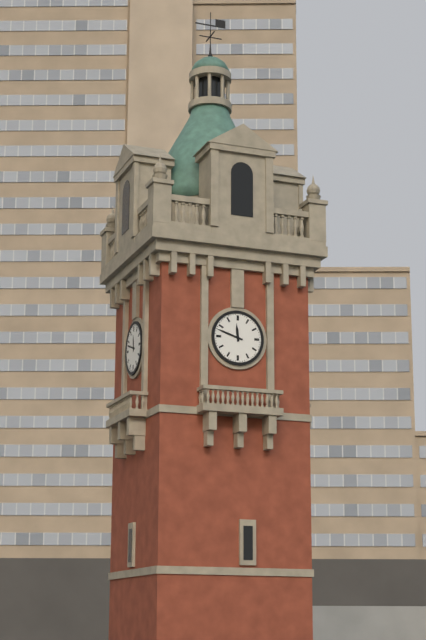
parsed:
11:48
